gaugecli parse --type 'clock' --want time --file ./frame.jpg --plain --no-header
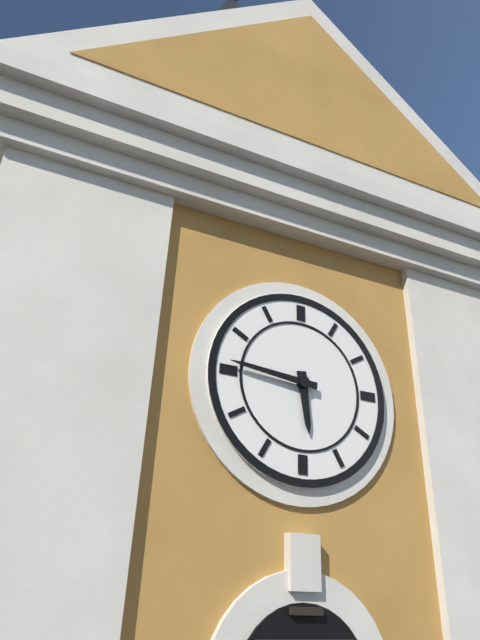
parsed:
5:46
